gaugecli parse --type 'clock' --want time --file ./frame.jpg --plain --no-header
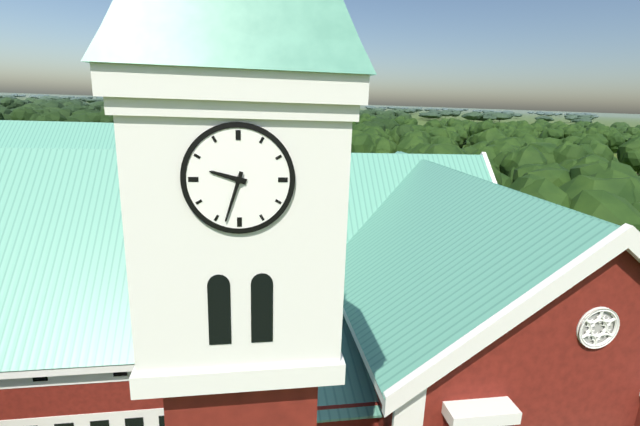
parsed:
9:33
